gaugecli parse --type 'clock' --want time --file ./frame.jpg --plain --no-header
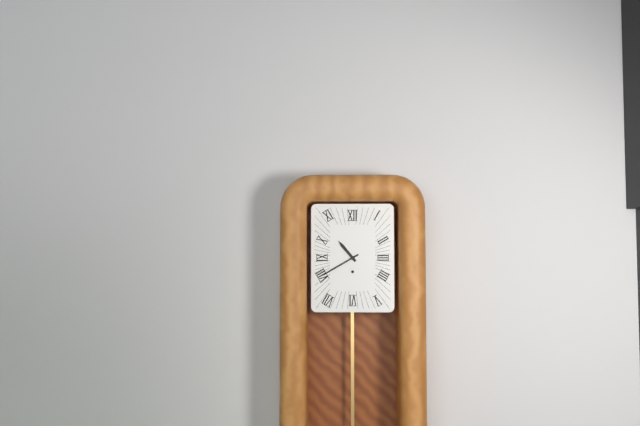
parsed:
10:40
